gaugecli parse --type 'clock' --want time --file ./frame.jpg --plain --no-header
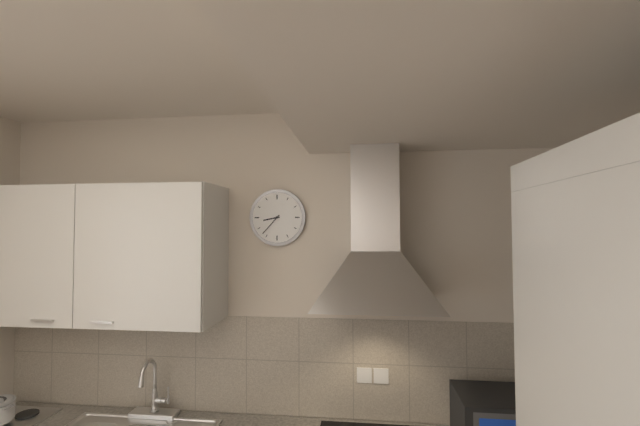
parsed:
8:37
